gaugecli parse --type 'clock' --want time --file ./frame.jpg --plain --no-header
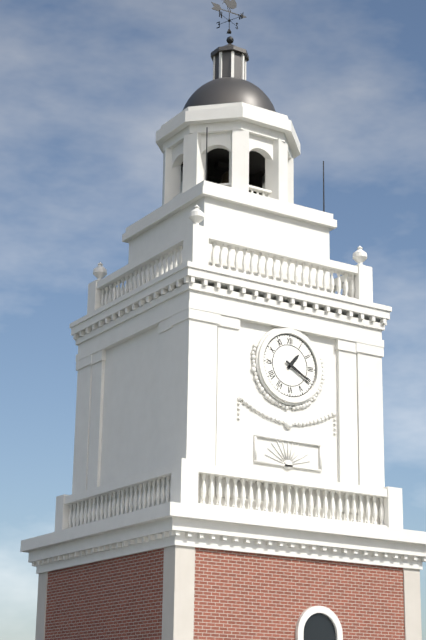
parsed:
1:20
